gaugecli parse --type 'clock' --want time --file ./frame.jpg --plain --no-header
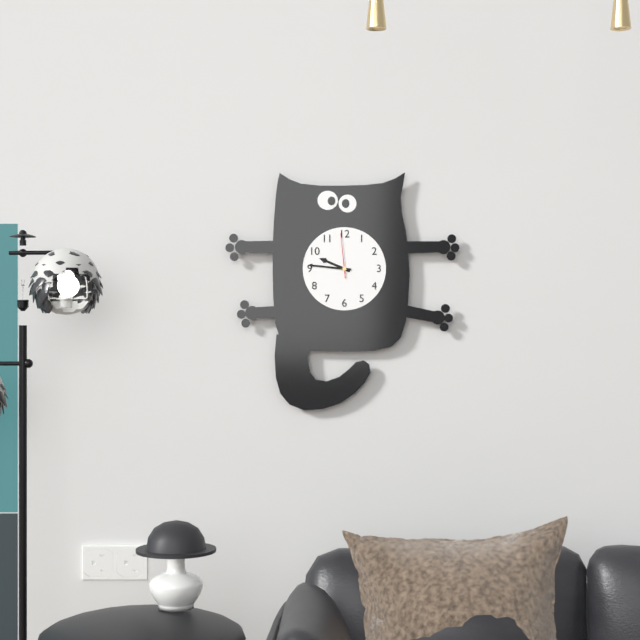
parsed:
9:46
